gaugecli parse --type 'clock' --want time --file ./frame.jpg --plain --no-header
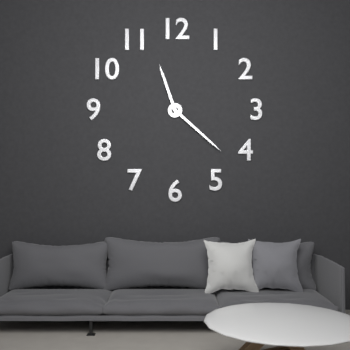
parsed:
11:22
